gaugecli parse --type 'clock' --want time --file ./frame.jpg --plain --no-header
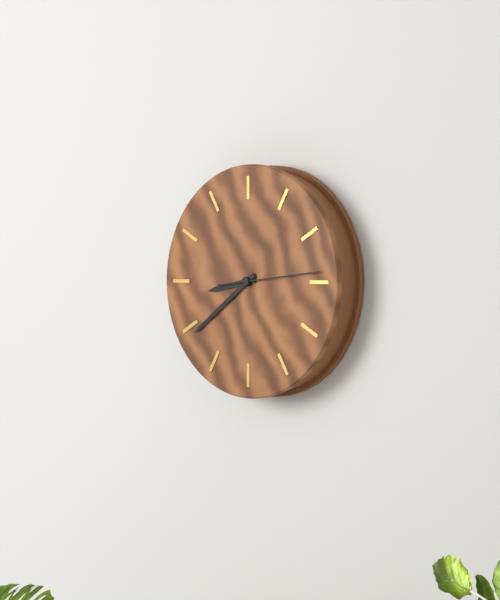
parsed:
8:39:14
